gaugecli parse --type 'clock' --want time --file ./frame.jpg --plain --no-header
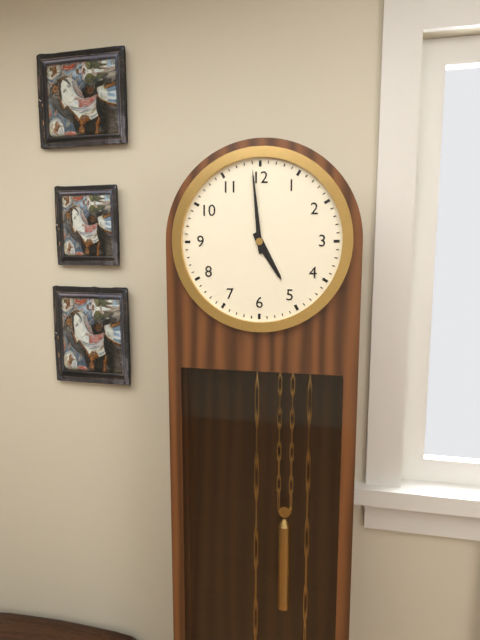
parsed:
4:59
